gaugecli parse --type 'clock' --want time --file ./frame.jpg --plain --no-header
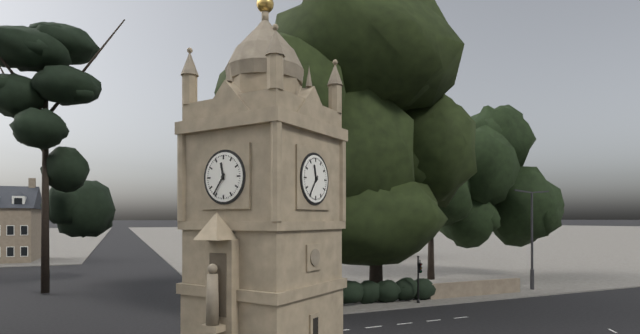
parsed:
11:36
